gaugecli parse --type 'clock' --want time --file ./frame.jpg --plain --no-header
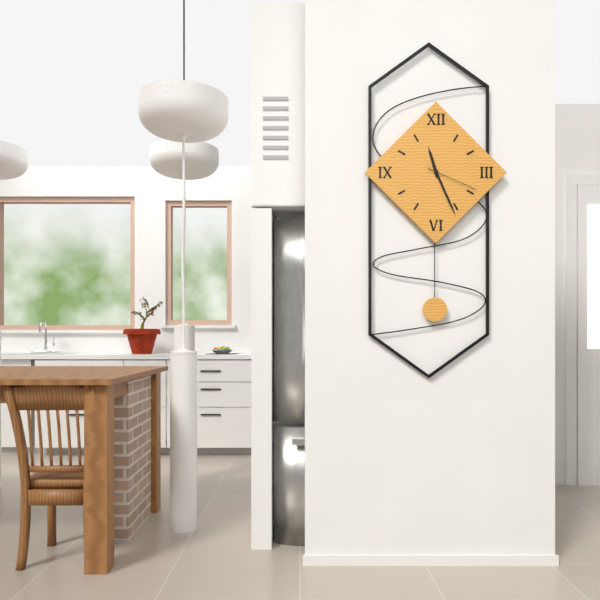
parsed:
11:26:19
